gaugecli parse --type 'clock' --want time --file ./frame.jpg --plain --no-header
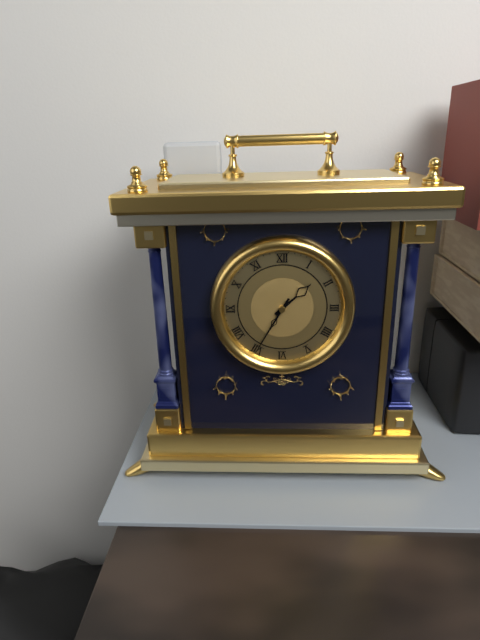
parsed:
1:35
